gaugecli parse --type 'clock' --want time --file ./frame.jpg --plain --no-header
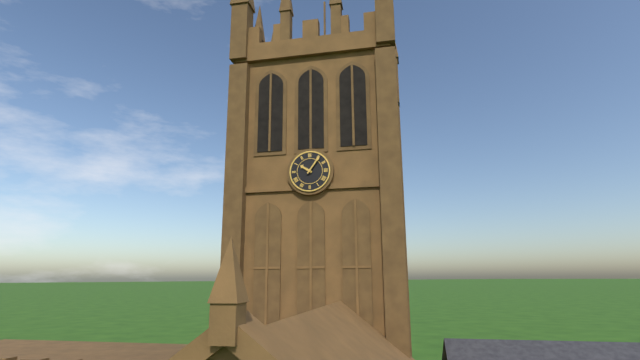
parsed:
10:06
